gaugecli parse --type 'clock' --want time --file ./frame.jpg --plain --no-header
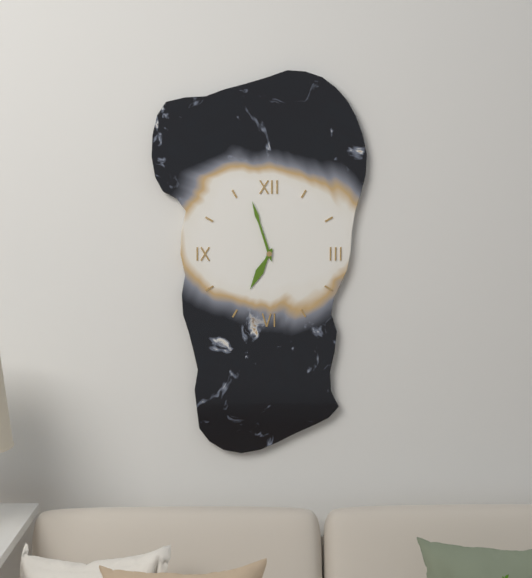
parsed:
6:57
